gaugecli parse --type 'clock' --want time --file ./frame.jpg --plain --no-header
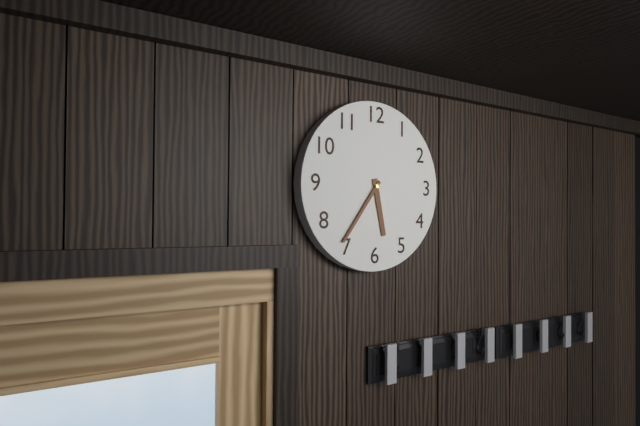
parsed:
5:36
